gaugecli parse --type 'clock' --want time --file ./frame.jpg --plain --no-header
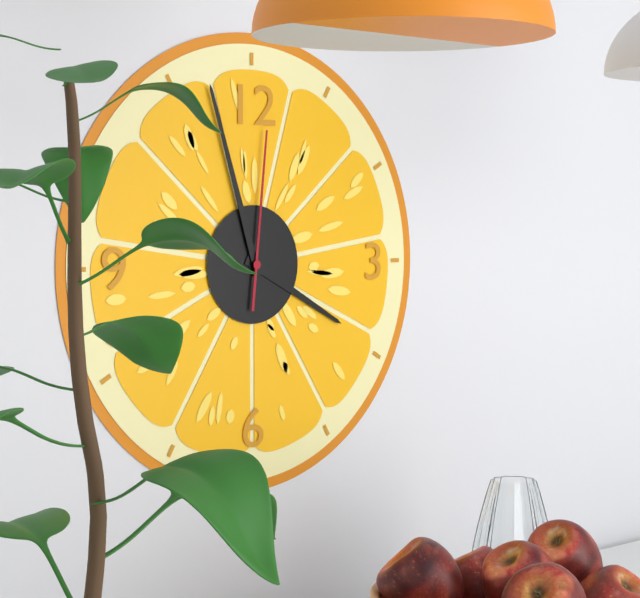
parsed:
3:57:01
